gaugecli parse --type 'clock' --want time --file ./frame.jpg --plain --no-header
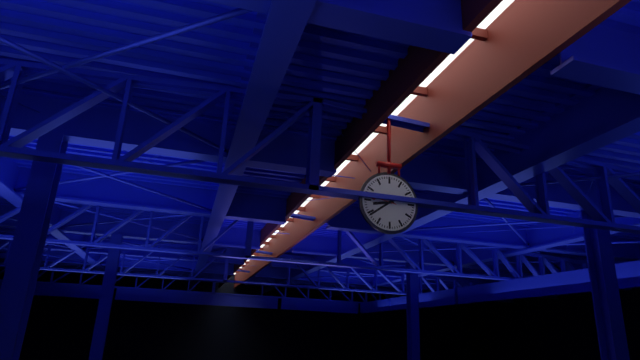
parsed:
8:39
